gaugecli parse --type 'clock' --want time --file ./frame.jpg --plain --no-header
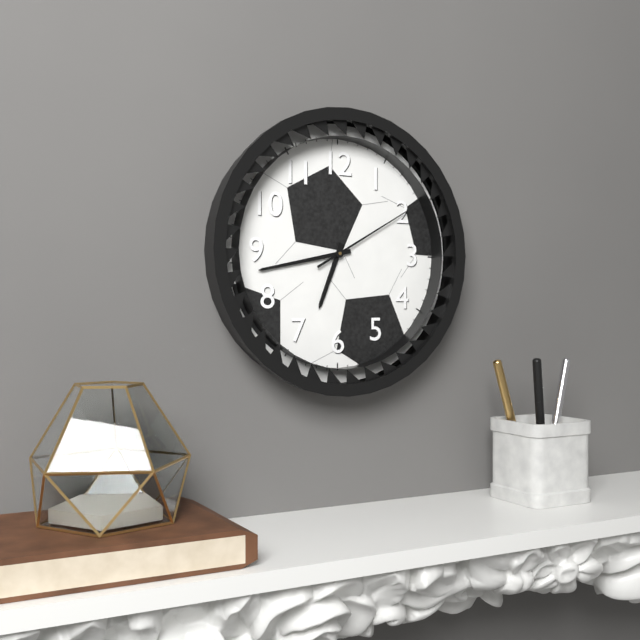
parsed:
6:43:10
